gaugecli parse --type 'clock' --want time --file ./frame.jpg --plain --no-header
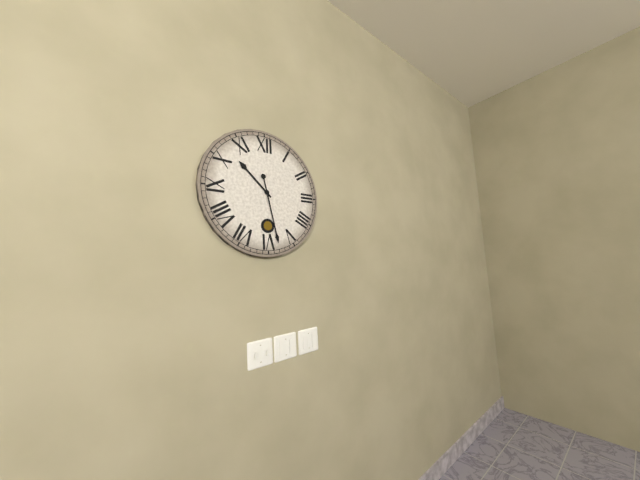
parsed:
10:28
